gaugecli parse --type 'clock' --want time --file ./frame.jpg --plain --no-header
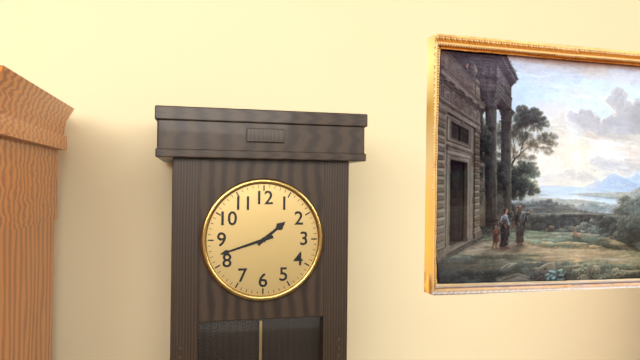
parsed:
1:42
